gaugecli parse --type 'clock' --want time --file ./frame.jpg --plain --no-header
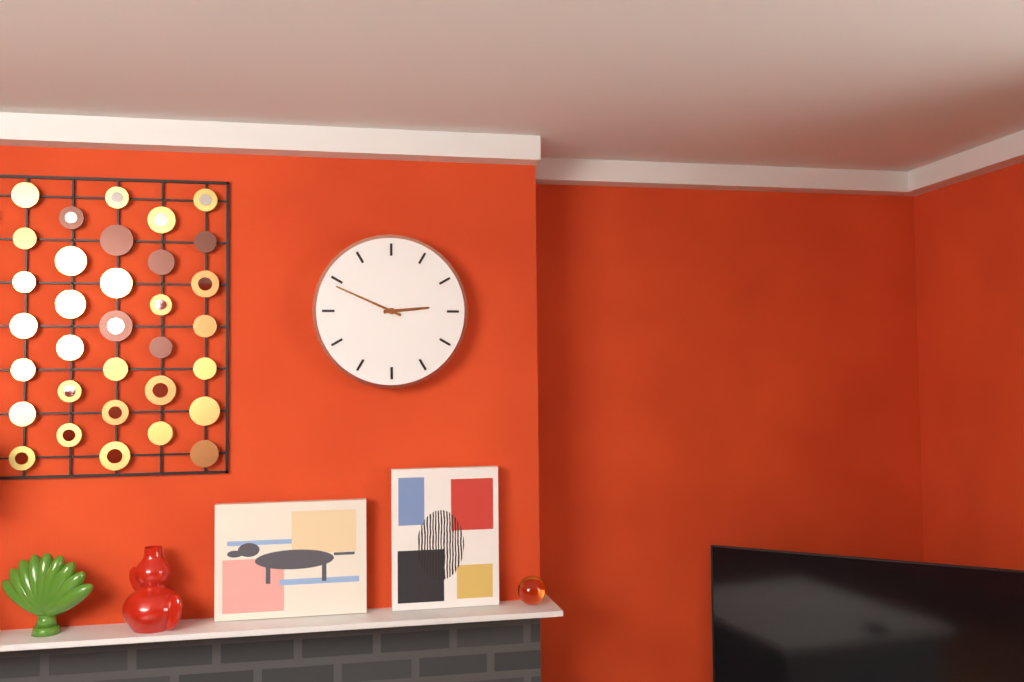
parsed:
2:49
